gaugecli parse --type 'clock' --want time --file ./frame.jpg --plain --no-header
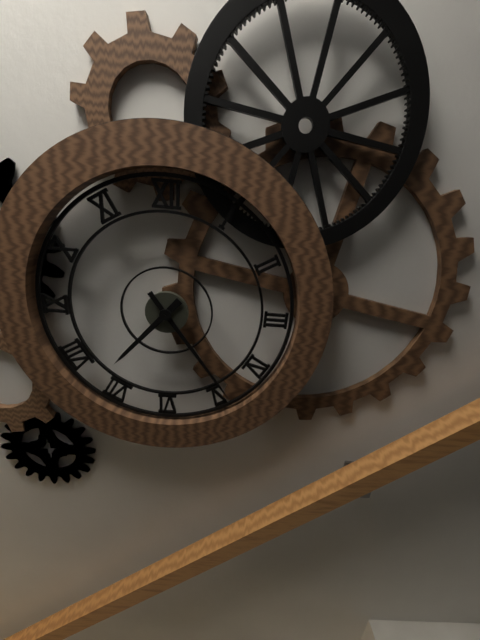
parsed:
7:24
